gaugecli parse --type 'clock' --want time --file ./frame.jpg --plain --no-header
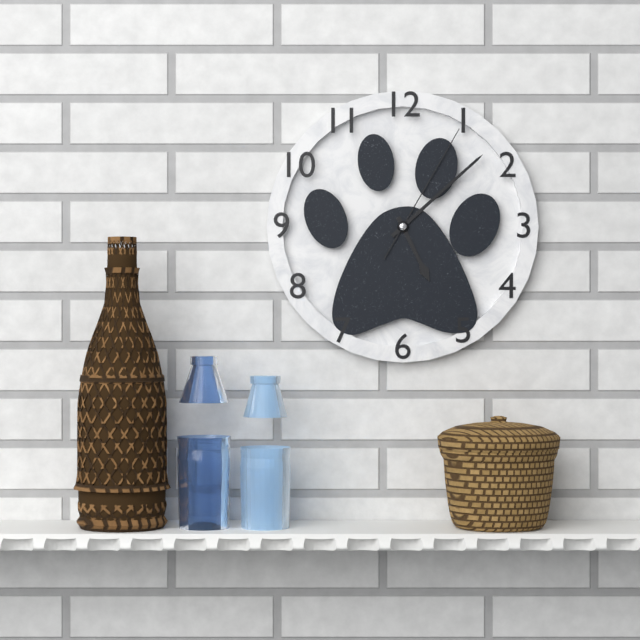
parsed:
5:08:05
